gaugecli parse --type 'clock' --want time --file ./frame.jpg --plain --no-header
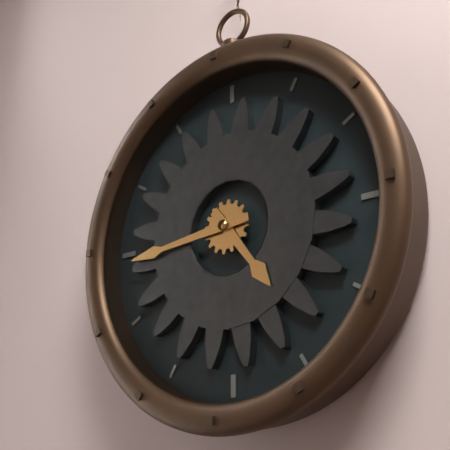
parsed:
4:44
